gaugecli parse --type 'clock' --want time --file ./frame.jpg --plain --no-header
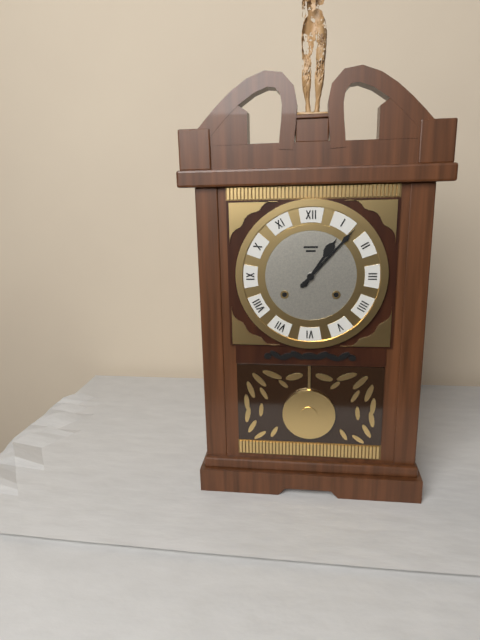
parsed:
1:07
